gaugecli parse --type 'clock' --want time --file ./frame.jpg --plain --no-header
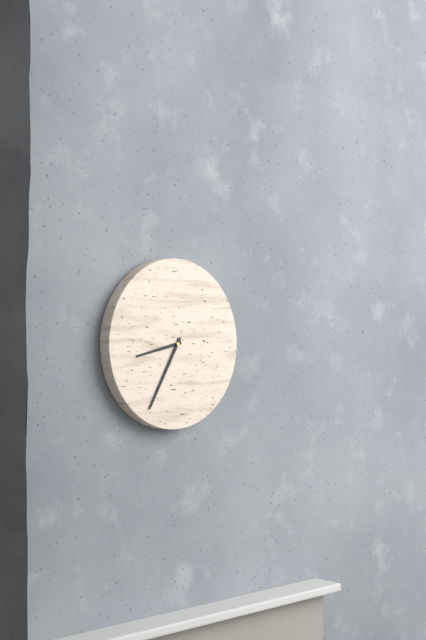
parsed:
8:35
